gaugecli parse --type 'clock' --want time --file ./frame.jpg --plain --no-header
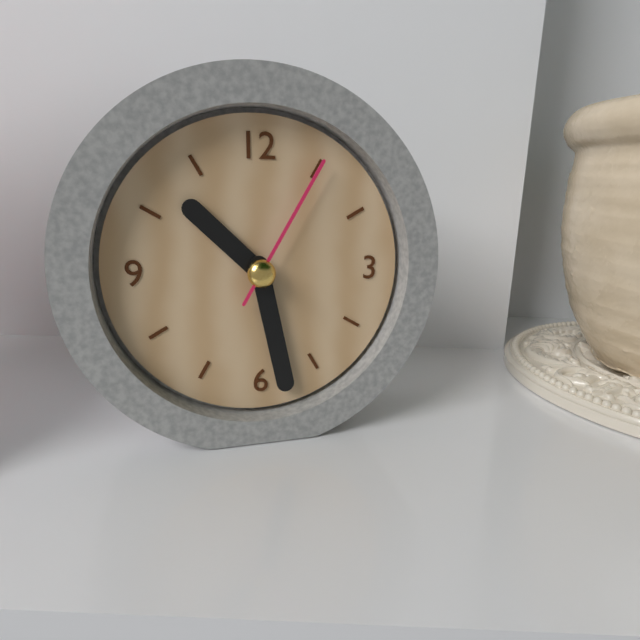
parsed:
10:28:05
